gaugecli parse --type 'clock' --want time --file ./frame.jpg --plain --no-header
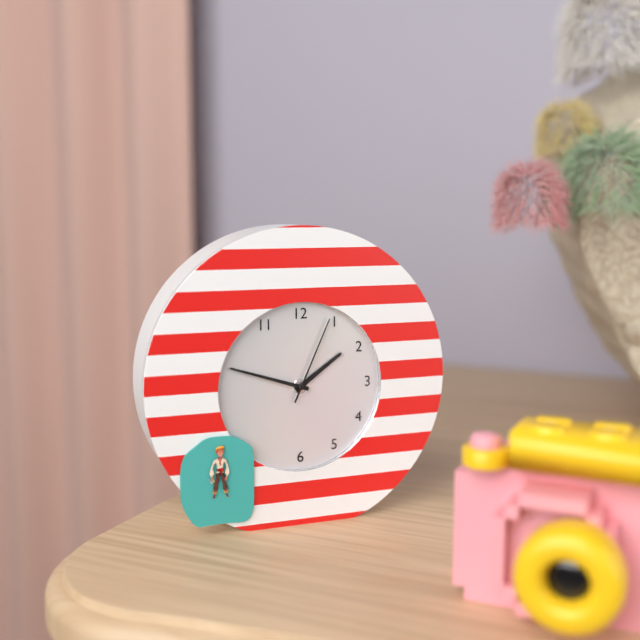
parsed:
1:48:04
